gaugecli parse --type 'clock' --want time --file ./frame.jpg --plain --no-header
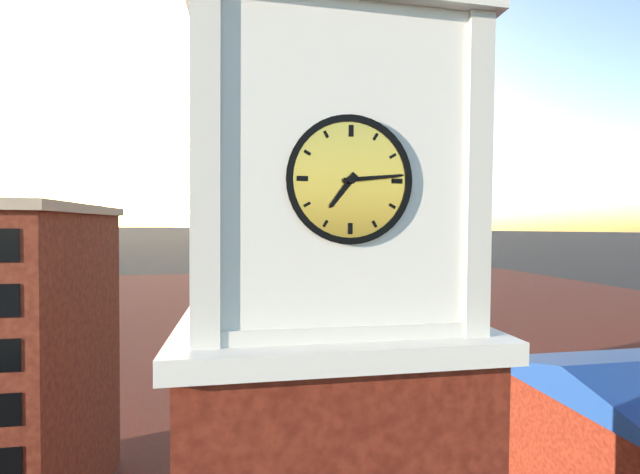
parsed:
7:14
